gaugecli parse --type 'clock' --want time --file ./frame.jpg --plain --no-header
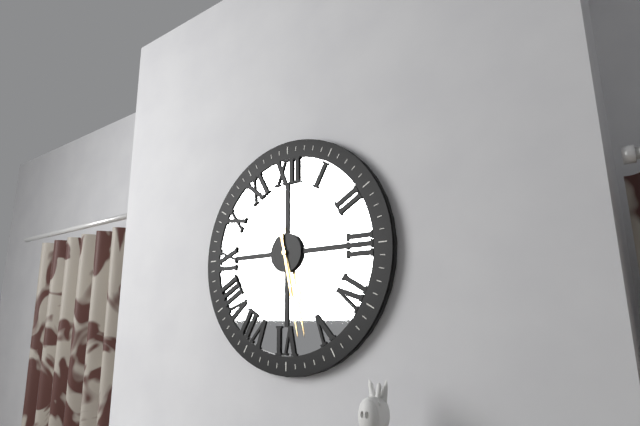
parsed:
5:28
